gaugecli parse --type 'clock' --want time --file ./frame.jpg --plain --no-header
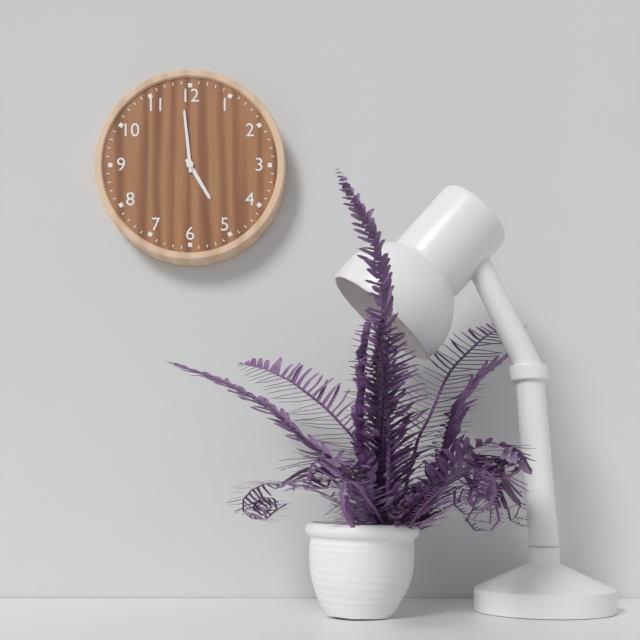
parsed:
4:59
